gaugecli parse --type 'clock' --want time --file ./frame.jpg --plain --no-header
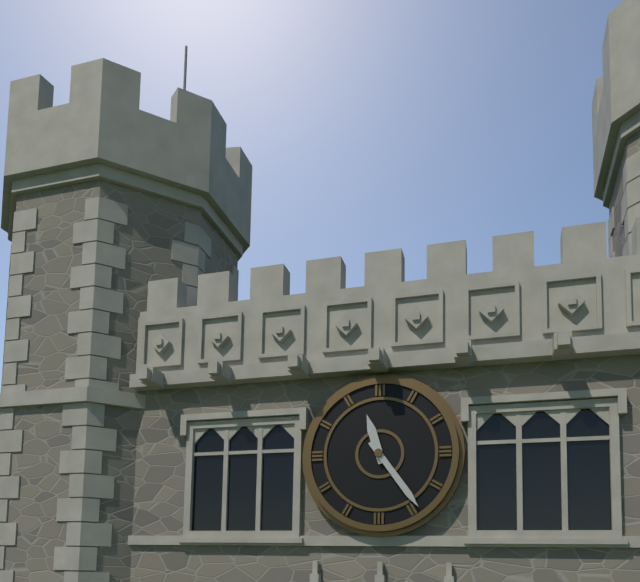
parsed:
11:24
